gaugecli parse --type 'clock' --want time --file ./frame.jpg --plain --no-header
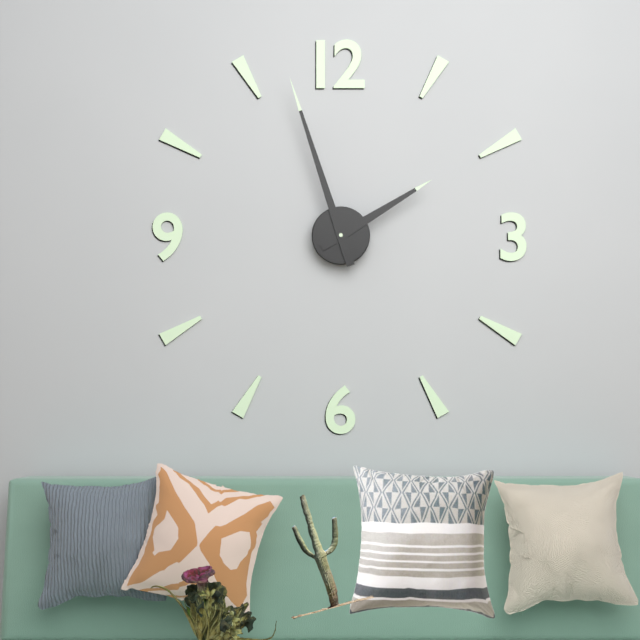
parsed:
1:57
